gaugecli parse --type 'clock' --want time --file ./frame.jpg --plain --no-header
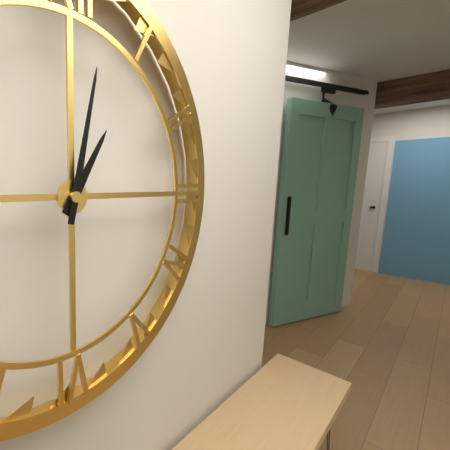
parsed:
1:02
